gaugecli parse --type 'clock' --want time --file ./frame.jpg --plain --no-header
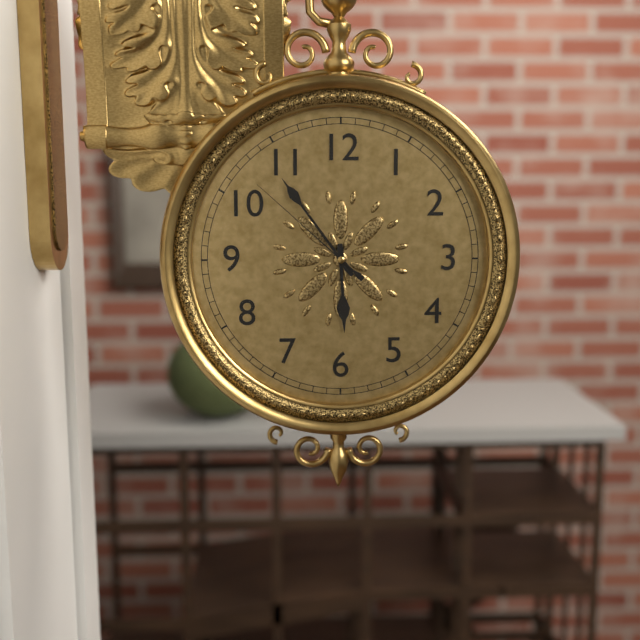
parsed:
5:54:52
